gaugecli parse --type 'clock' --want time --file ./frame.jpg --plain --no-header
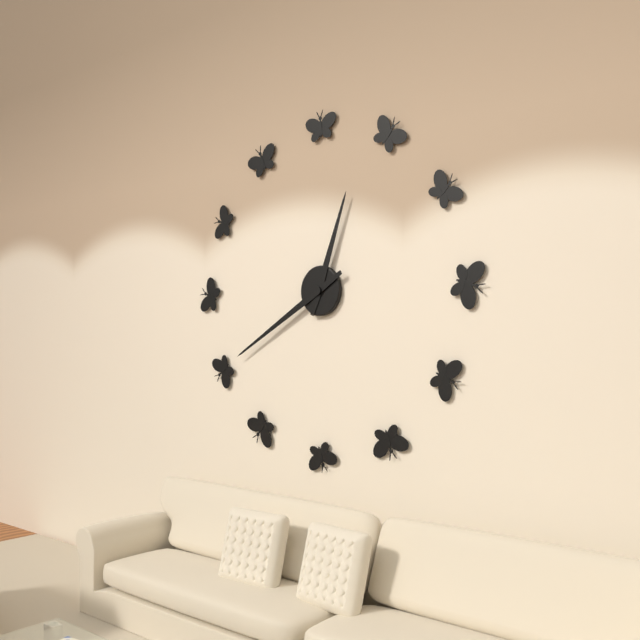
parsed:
12:40
